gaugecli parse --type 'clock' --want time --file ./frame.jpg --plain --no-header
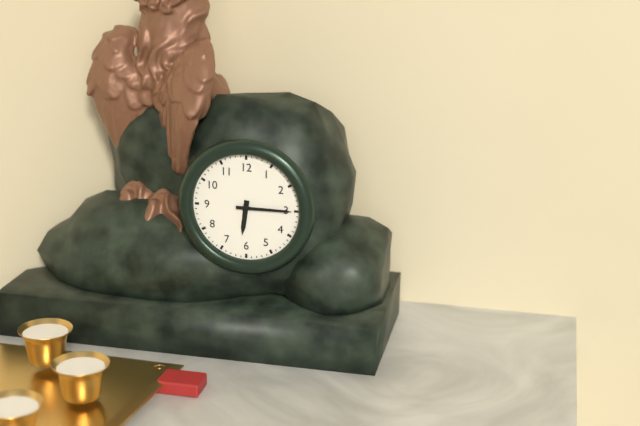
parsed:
6:15
